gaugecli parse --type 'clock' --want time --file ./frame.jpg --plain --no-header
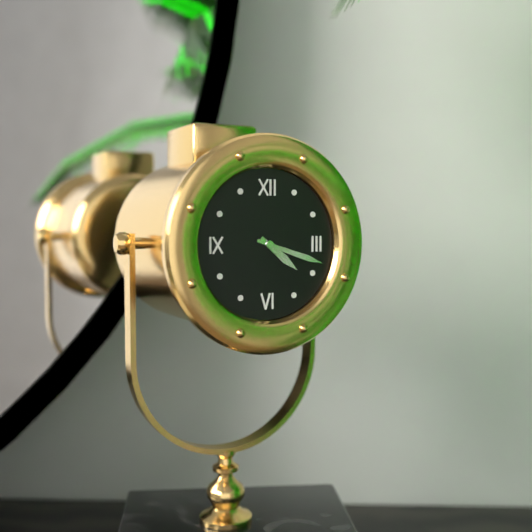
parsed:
4:18
